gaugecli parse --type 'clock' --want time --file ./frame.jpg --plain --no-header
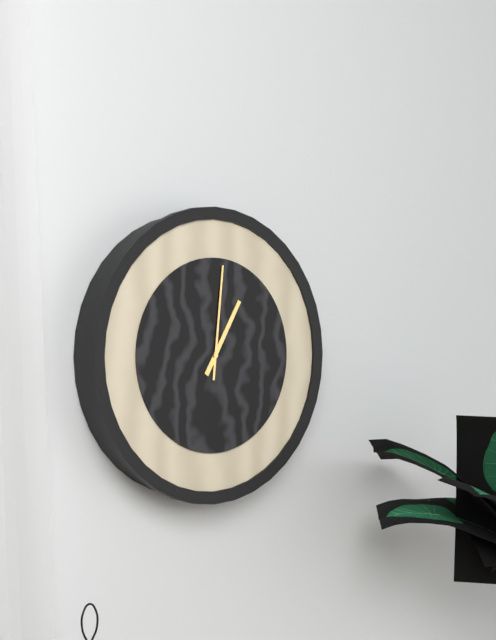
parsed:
1:01
